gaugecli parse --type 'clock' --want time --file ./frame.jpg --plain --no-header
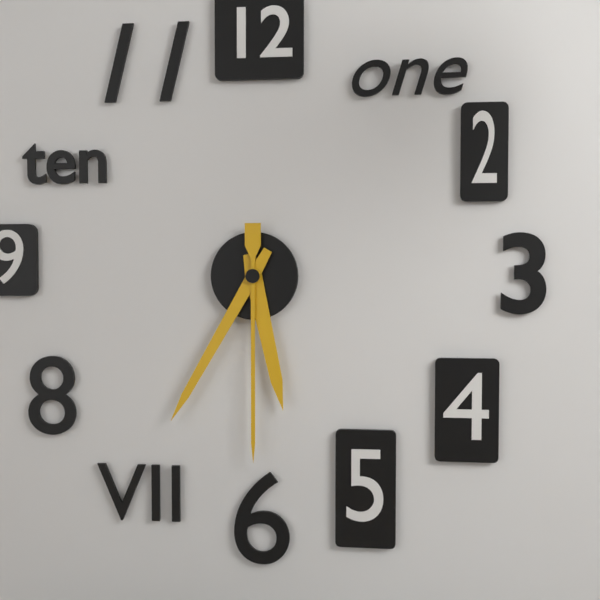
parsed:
5:35:30
